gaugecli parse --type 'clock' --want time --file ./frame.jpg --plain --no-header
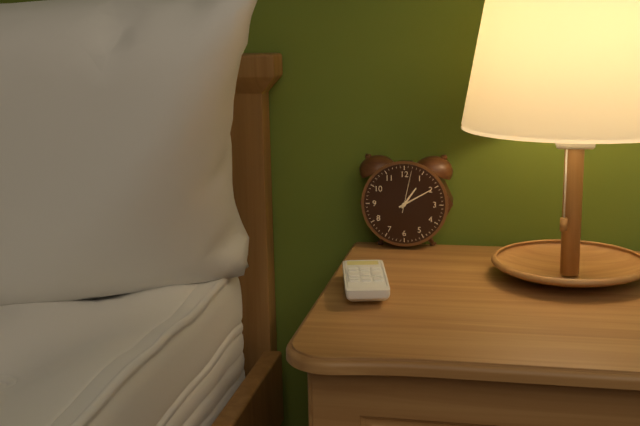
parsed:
1:10
